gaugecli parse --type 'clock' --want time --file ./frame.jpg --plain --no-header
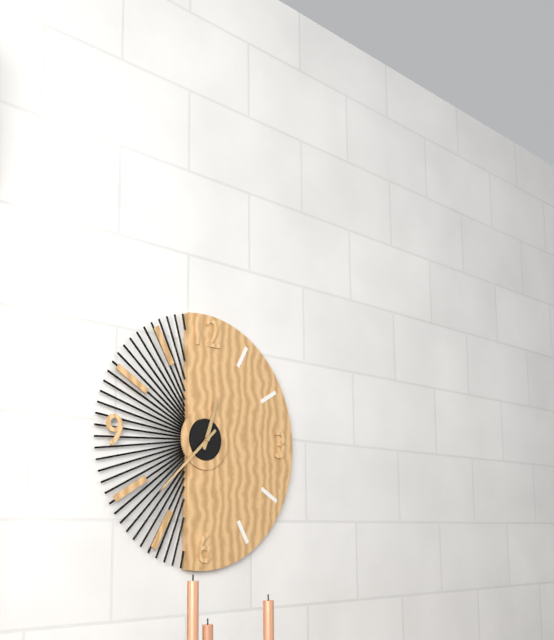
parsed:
12:38
